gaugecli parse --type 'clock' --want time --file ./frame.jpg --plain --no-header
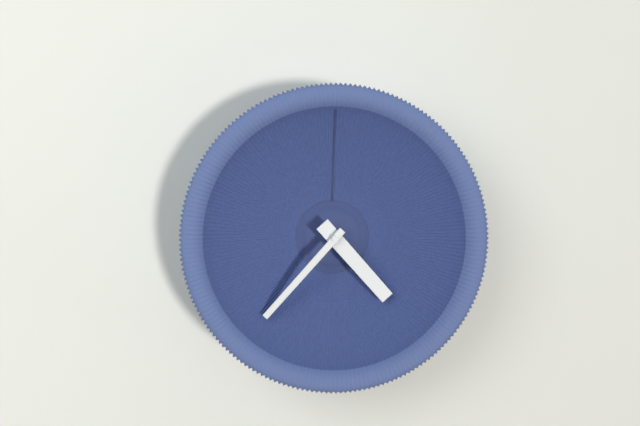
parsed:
4:37
